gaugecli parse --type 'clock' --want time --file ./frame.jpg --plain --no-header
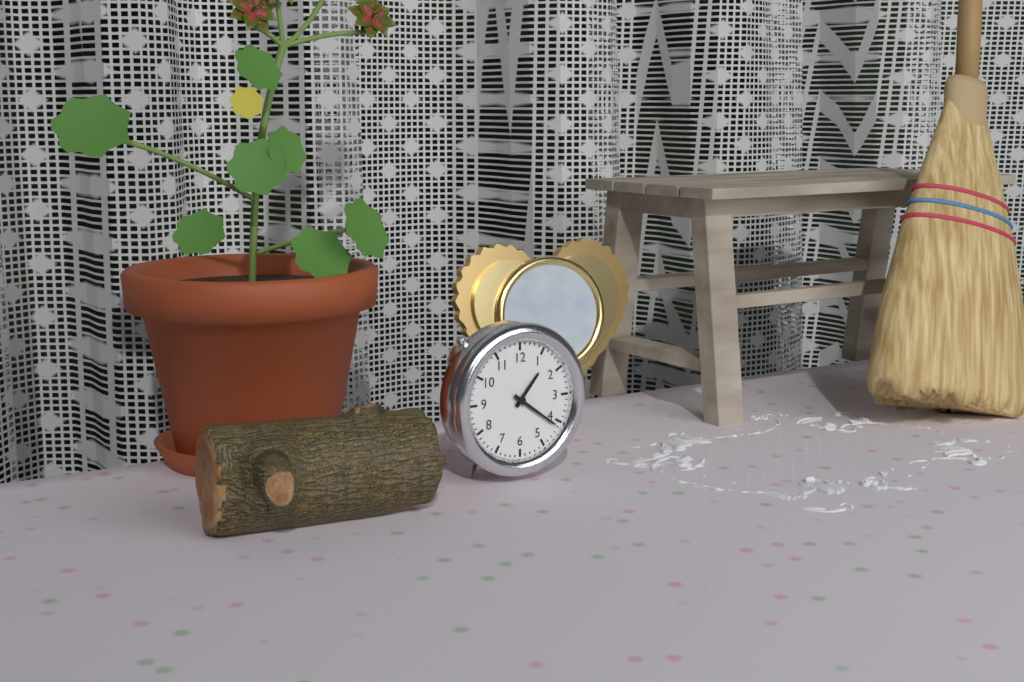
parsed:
1:21
